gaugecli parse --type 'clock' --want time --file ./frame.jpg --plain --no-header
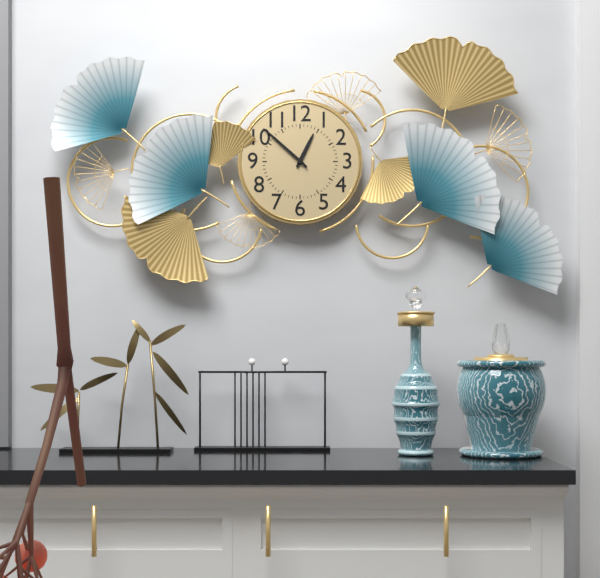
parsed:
12:52
